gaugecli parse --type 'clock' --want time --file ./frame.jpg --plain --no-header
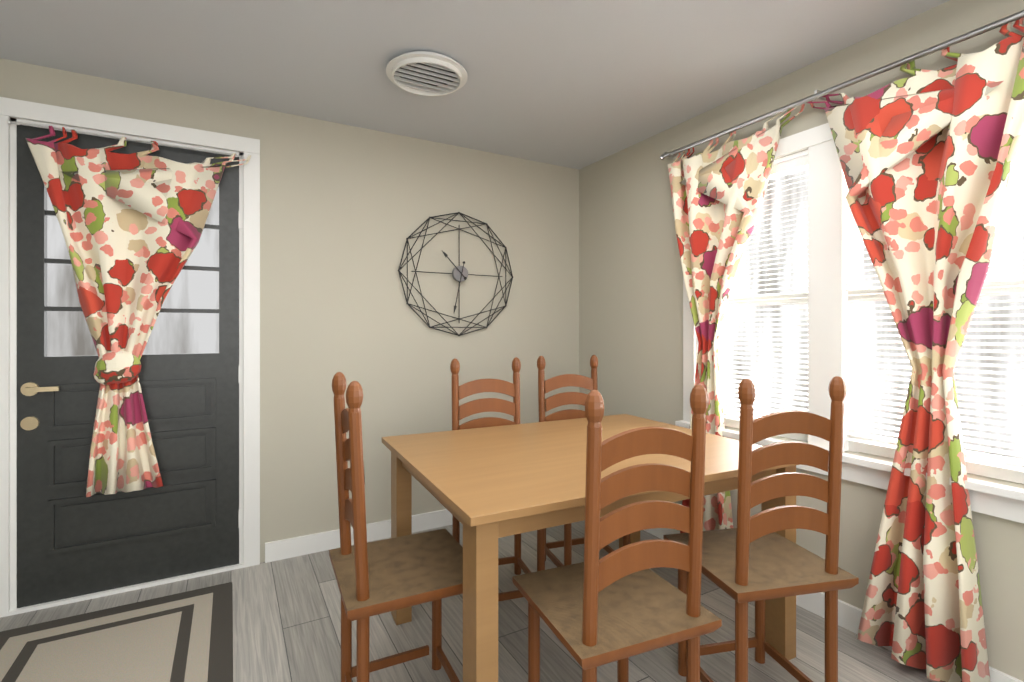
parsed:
10:32
